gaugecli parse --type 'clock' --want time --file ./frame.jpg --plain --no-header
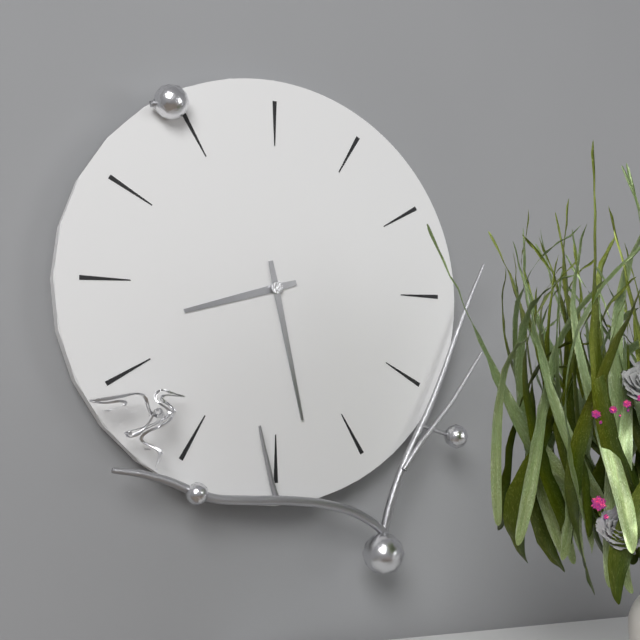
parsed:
8:28
